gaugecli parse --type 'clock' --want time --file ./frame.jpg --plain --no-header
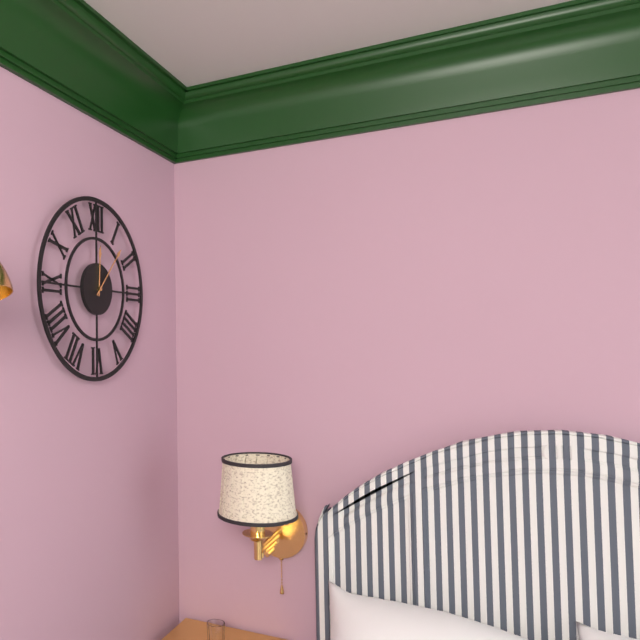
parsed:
12:07
